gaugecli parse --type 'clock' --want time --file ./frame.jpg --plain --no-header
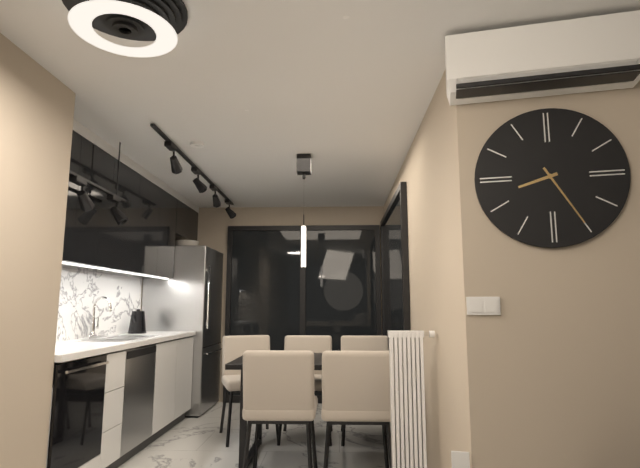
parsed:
8:25
